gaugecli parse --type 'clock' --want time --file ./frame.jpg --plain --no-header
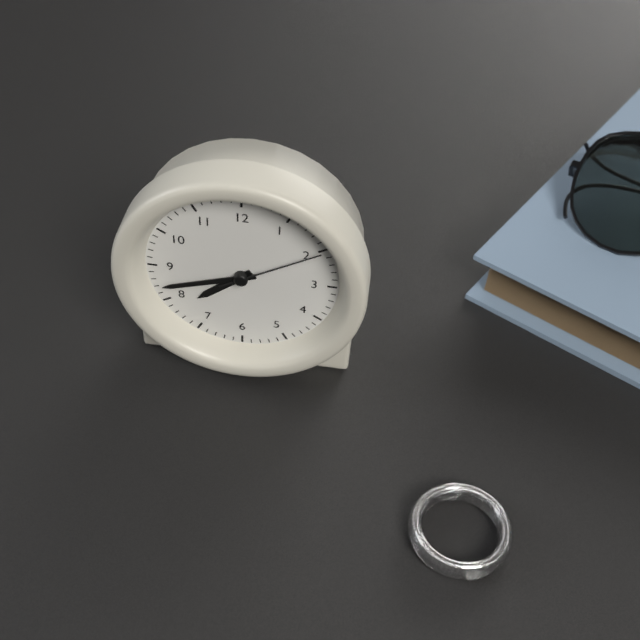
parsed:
7:42:10
